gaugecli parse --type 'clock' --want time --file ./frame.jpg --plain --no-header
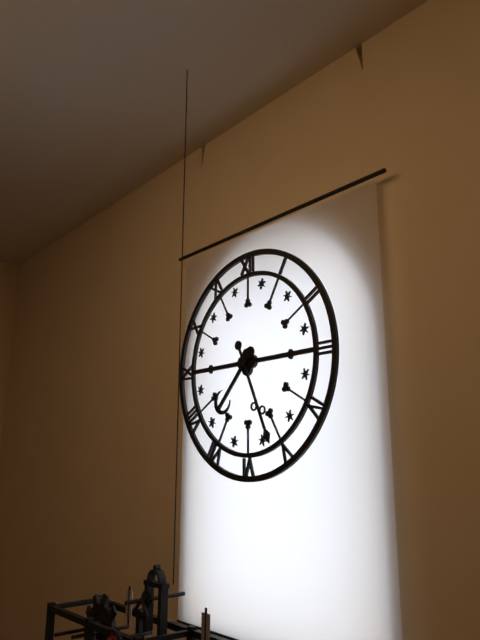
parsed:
7:26
